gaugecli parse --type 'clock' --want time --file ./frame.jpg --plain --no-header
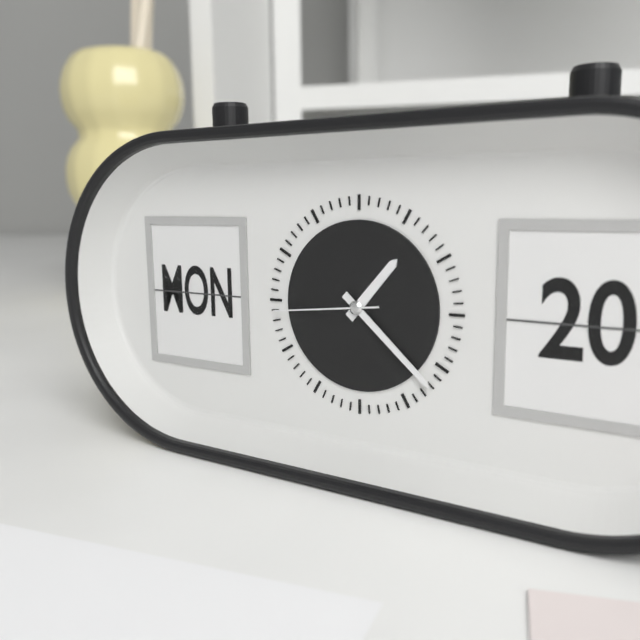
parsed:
1:22:44
